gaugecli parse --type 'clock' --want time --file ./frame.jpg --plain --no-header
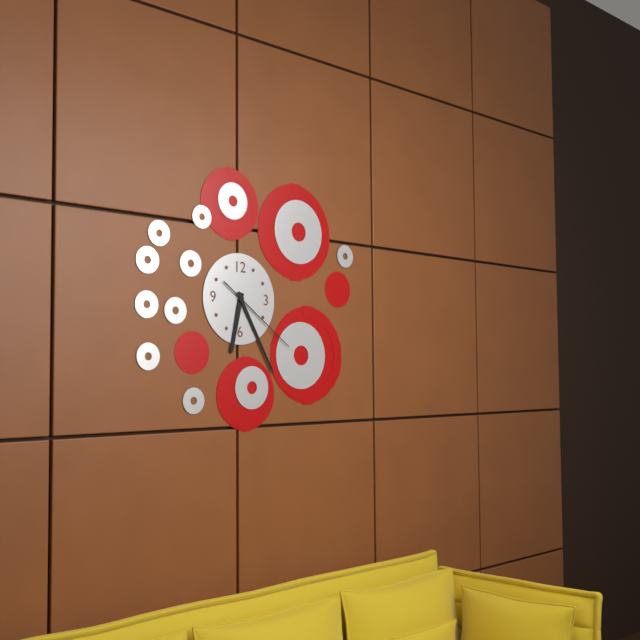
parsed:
6:25:21
